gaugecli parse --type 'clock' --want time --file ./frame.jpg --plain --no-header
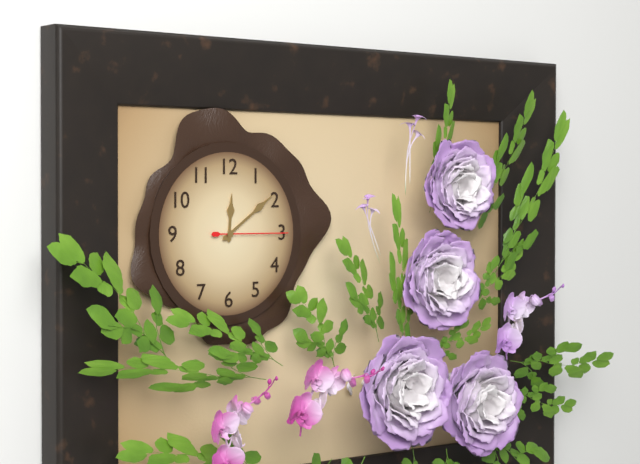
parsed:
12:09:15
